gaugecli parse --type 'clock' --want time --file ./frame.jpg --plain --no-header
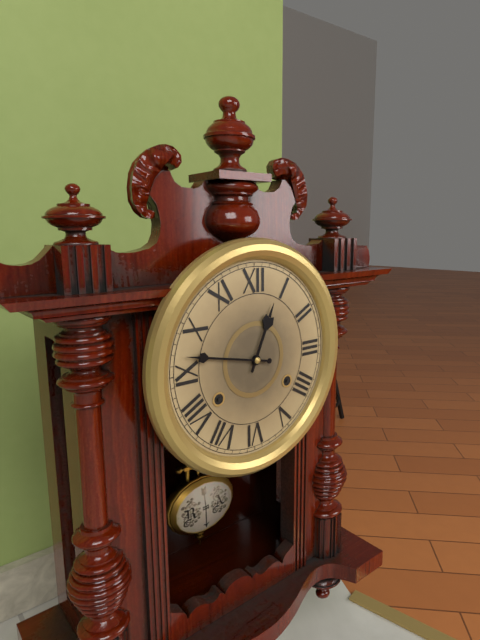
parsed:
12:47
